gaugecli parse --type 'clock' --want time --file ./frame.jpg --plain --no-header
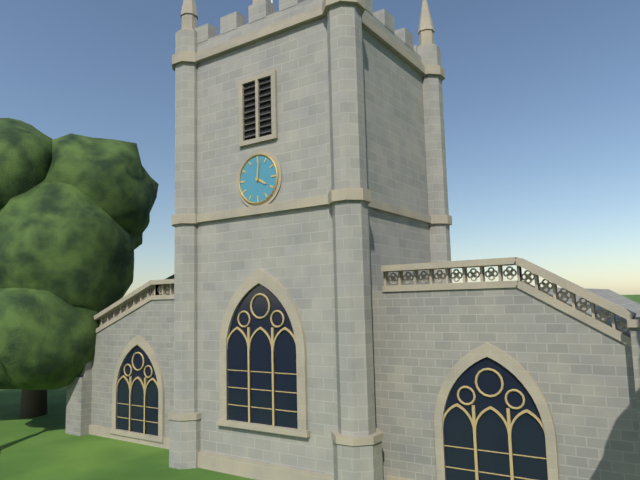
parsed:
4:01
